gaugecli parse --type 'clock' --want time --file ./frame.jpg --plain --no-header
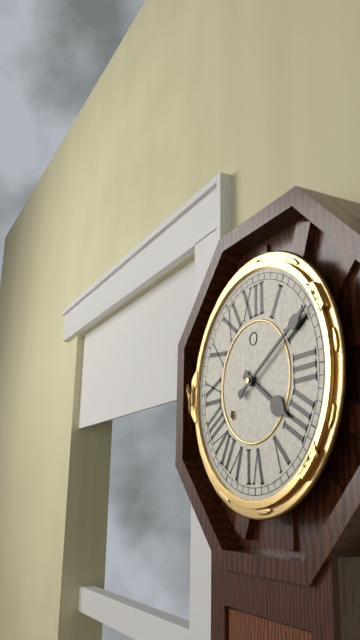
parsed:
4:10
